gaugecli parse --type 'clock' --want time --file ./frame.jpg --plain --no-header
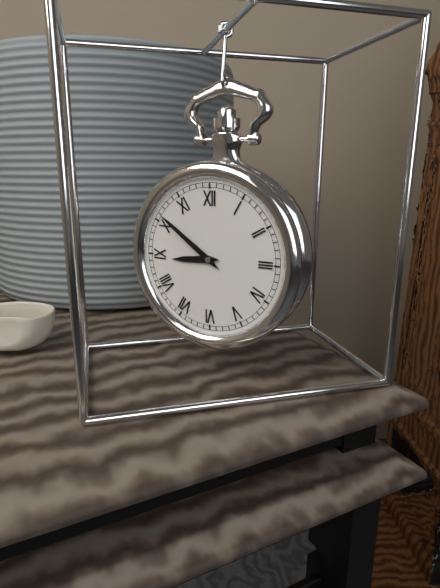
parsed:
8:51
